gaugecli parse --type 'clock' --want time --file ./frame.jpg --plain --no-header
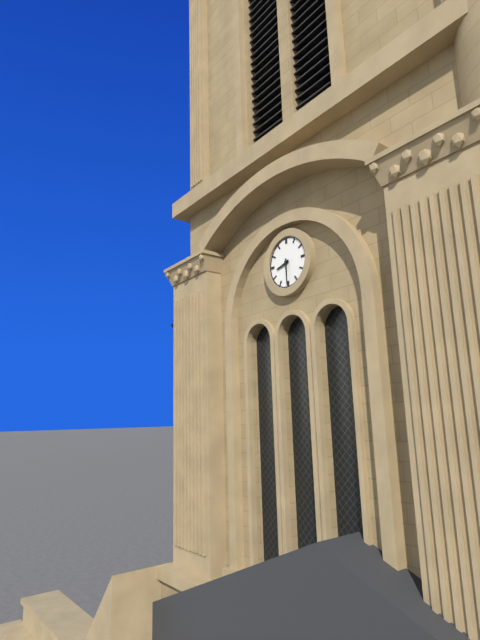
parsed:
8:30
